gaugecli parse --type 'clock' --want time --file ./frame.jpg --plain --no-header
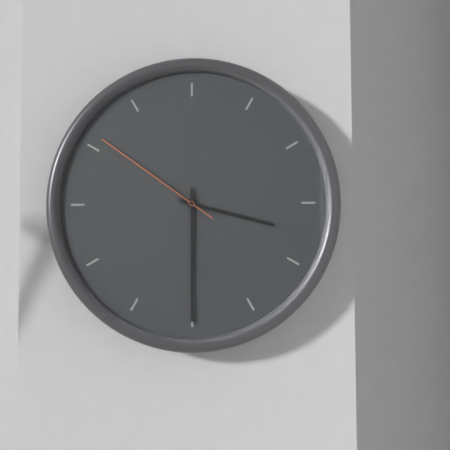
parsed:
3:30:51
